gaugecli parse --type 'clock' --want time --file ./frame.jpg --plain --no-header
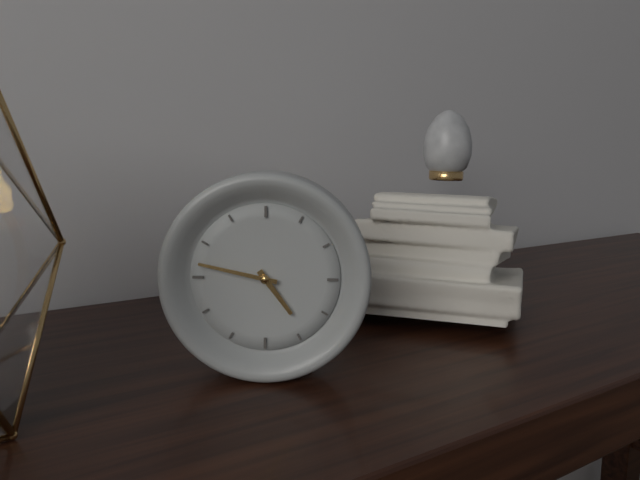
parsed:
4:47
